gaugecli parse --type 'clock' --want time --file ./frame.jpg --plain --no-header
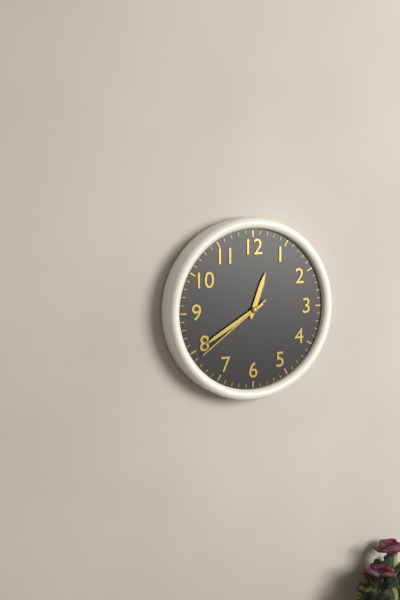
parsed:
12:40:39
